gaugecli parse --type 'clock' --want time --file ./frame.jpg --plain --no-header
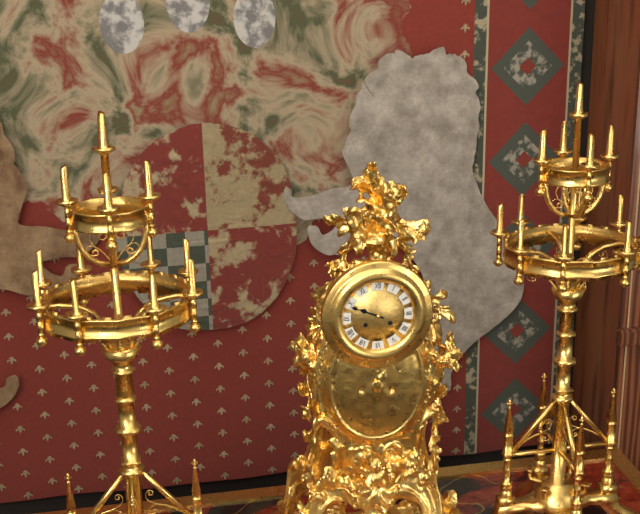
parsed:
9:49
